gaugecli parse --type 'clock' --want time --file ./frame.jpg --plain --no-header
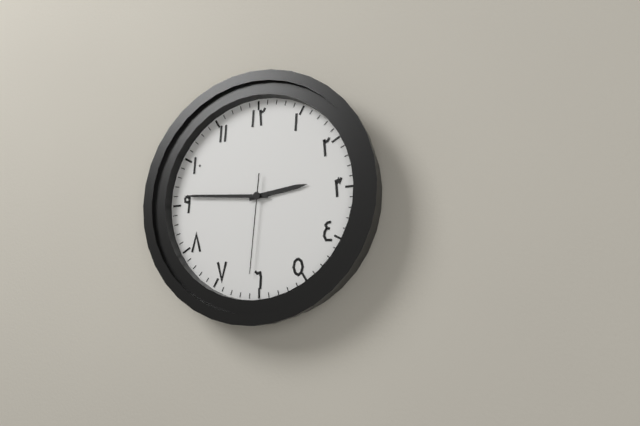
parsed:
2:46:31
